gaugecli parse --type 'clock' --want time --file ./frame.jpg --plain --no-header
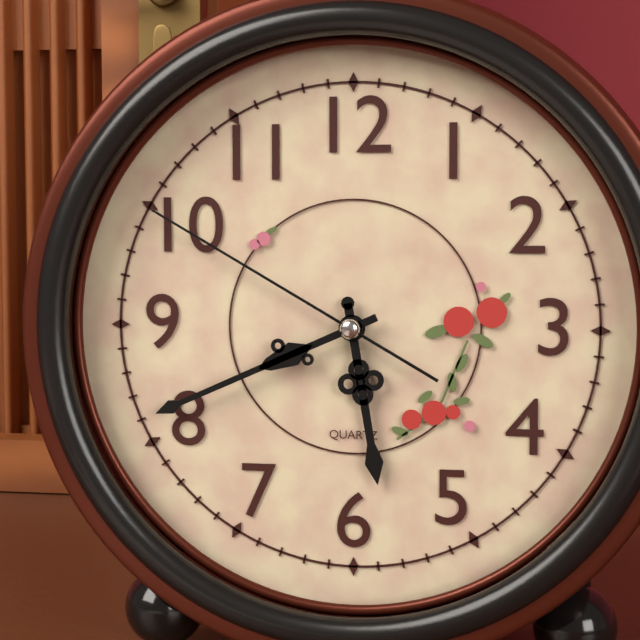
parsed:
5:41:50
